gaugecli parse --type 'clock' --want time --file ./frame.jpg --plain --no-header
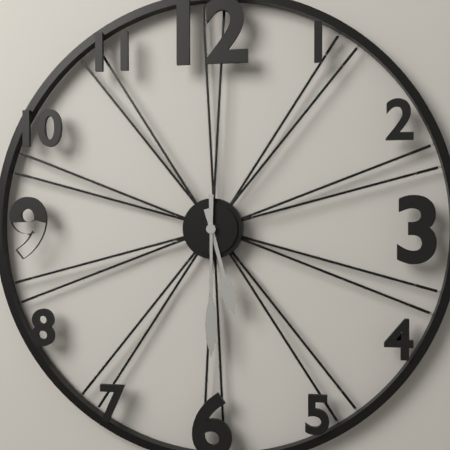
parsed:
5:30
